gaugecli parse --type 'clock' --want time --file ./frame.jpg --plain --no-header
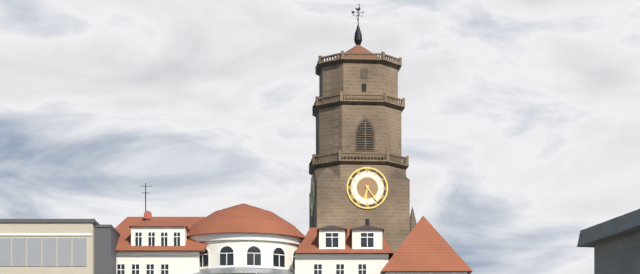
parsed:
6:24
